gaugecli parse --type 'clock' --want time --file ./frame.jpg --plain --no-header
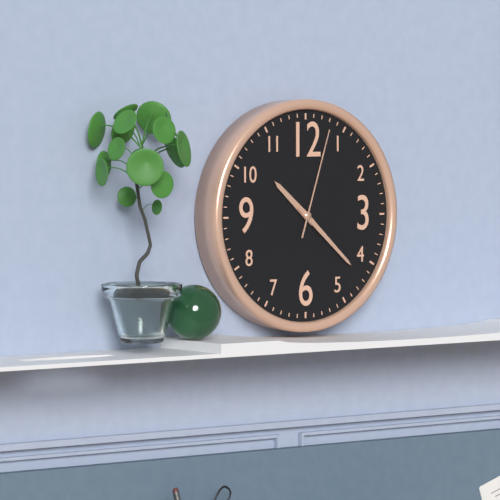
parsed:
10:22:03
